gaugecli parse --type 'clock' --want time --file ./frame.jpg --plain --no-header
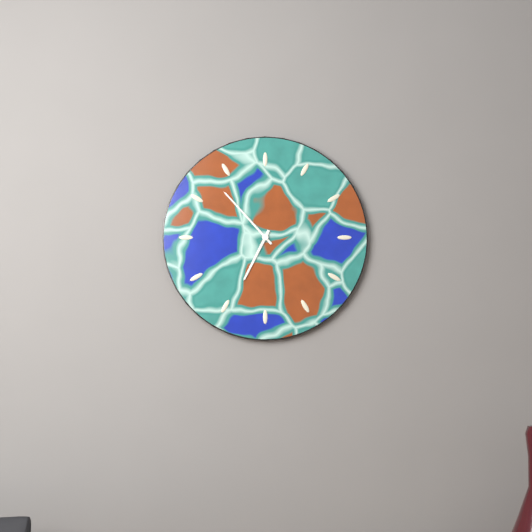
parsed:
6:53
